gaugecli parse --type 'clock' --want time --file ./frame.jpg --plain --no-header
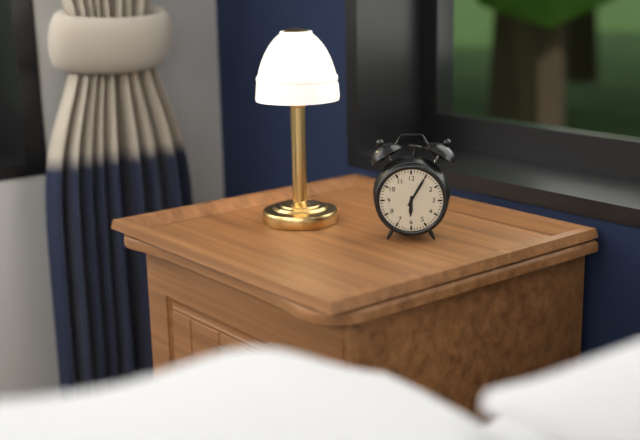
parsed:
6:05
